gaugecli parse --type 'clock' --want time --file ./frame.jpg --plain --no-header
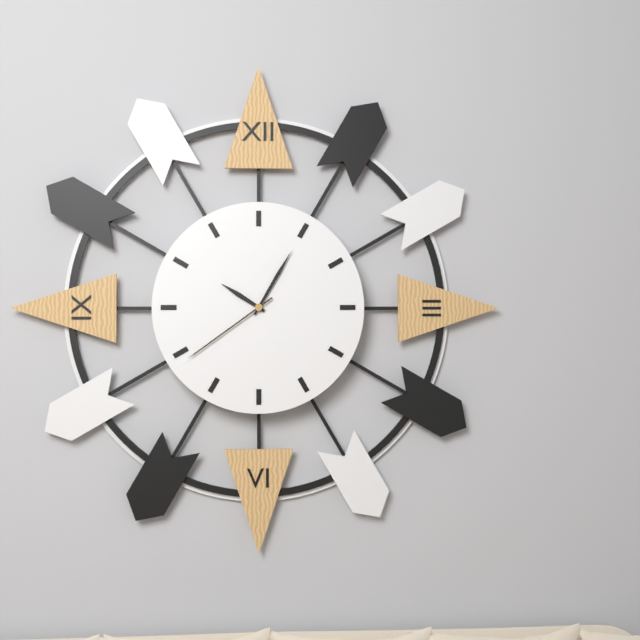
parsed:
10:05:39
